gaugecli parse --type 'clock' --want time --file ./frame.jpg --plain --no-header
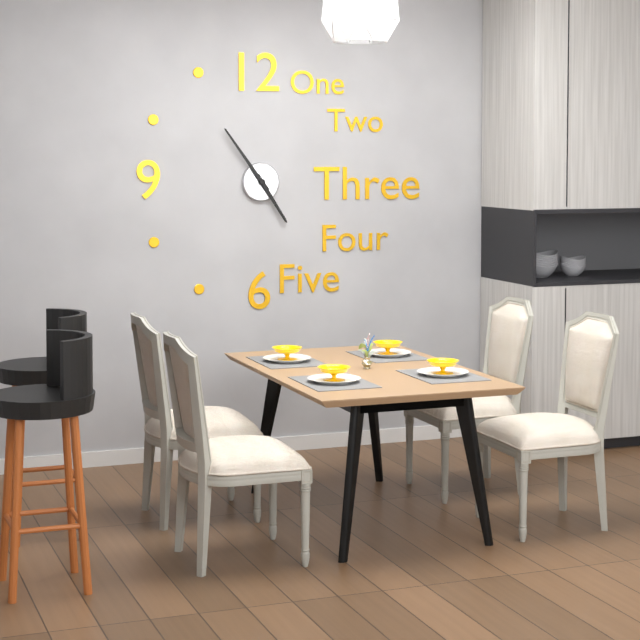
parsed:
4:54
